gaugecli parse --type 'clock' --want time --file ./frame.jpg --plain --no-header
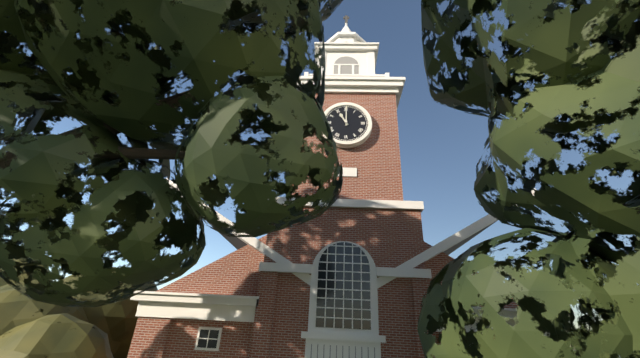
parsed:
11:00
